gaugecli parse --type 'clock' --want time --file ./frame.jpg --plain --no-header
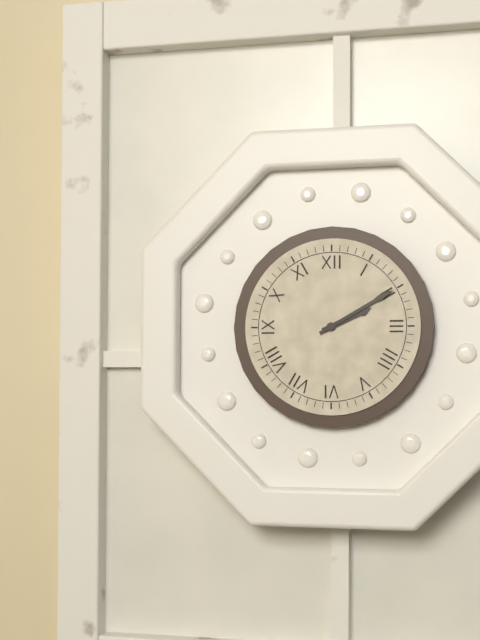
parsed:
2:10
